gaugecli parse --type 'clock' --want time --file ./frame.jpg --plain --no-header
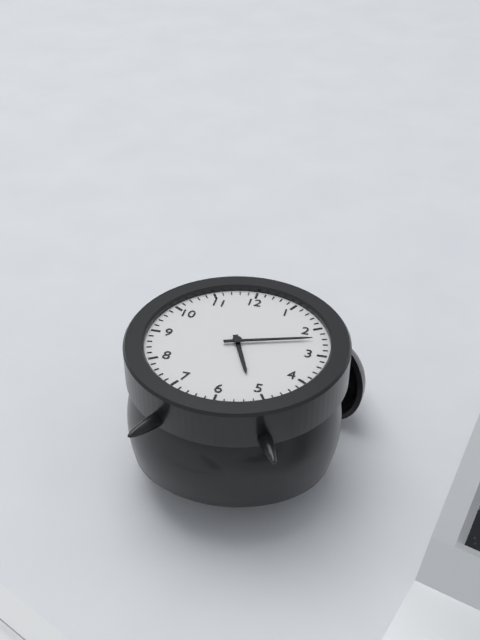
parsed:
5:12
